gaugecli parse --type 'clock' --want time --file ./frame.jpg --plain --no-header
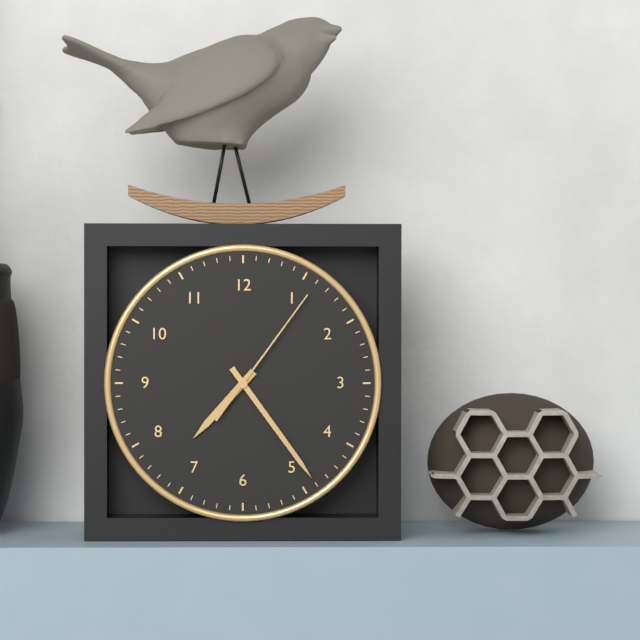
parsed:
7:24:06
